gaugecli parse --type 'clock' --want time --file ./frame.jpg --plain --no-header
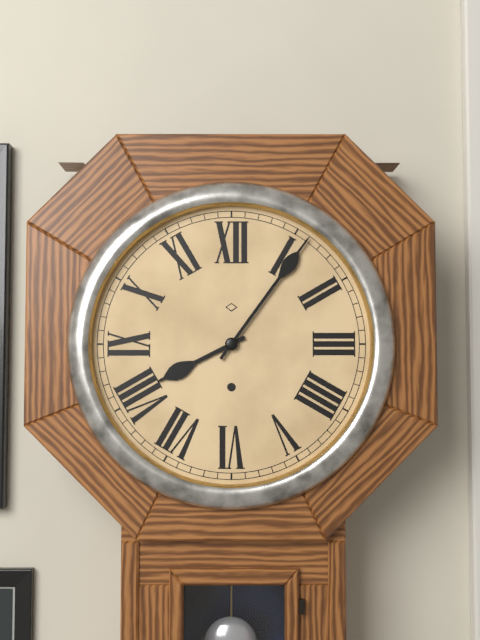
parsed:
8:06
